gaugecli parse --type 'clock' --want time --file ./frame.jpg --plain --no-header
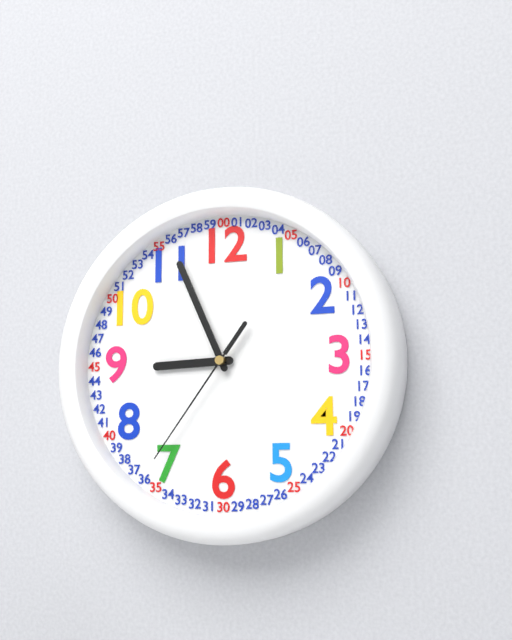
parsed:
8:56:36
